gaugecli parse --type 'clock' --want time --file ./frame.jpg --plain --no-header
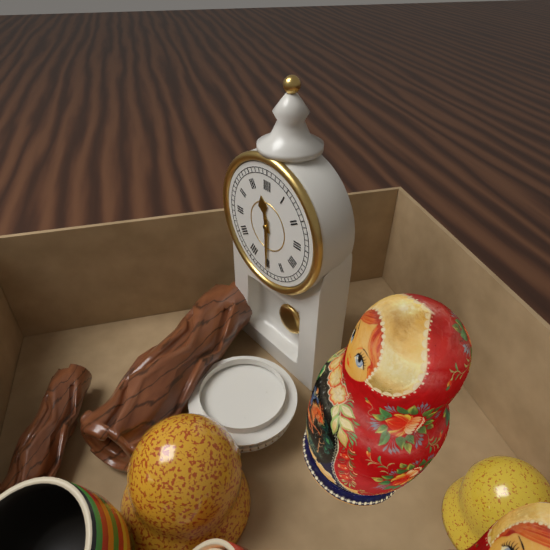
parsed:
11:30
